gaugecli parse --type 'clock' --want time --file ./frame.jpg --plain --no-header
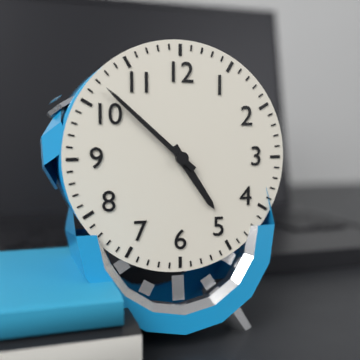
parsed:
4:52
